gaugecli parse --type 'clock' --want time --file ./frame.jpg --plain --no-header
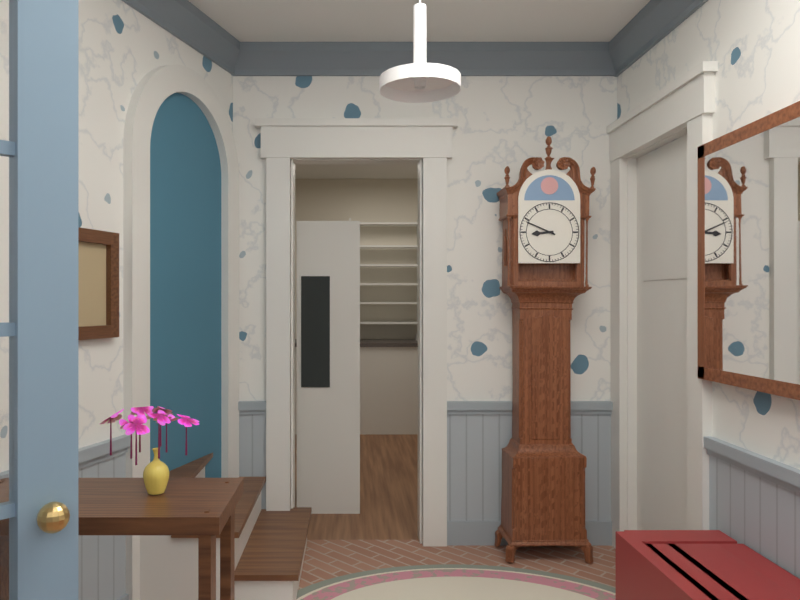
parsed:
8:49
